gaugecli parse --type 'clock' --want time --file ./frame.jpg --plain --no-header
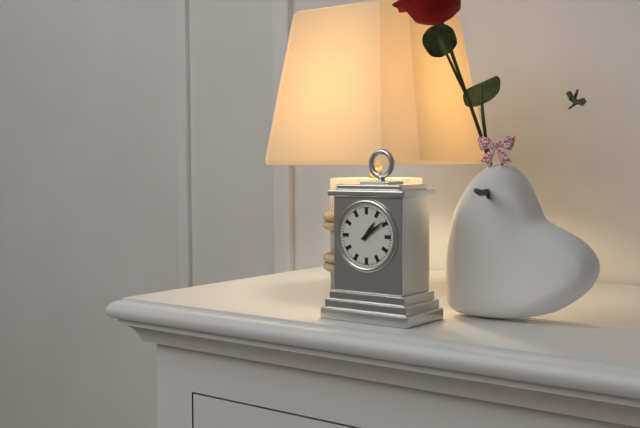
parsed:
1:09
